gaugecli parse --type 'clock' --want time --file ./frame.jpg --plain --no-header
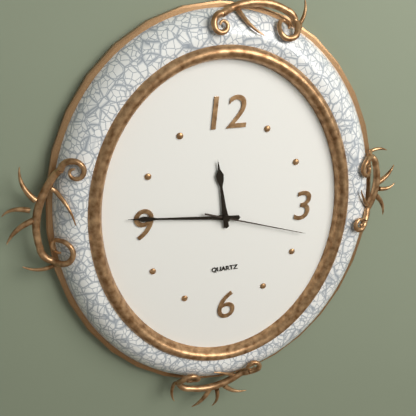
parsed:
11:46:18
